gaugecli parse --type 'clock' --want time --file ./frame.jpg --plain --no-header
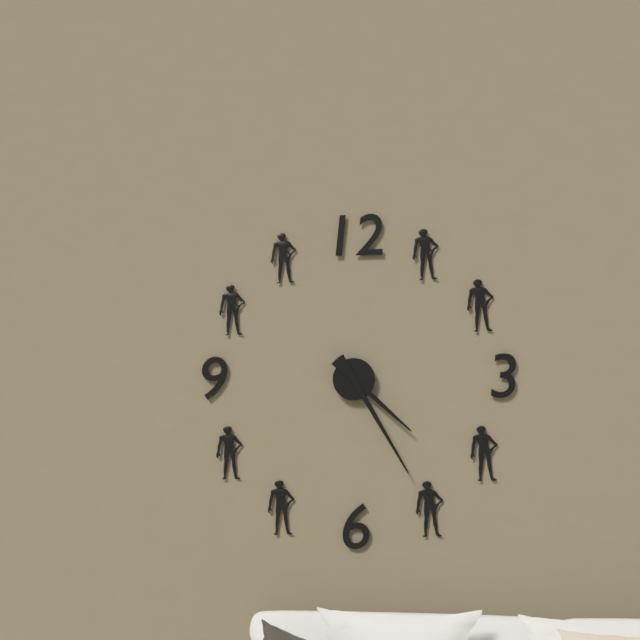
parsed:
4:25
